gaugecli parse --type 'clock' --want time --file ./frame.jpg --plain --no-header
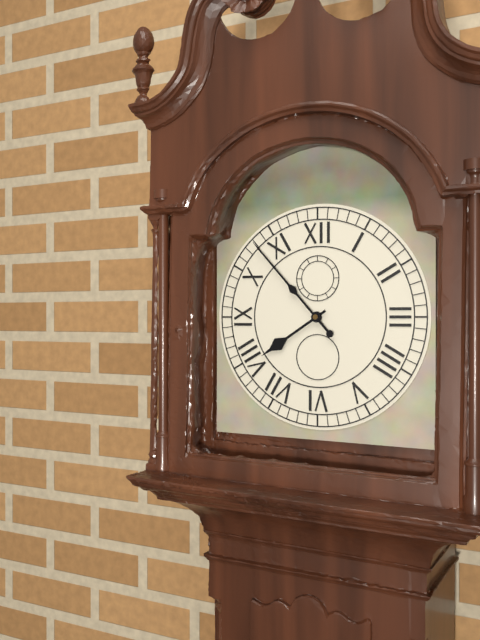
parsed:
7:53
